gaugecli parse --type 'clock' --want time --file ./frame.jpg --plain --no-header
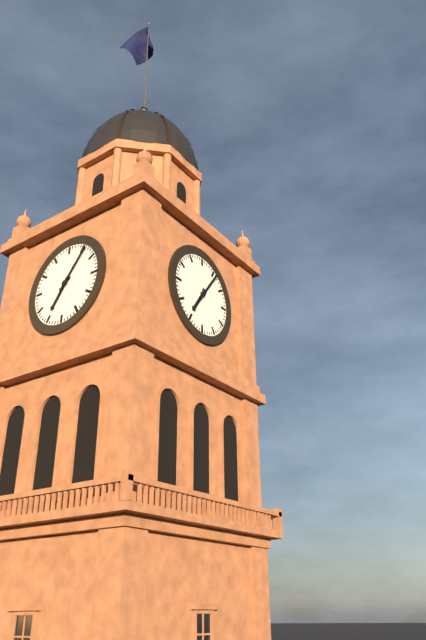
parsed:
7:06
